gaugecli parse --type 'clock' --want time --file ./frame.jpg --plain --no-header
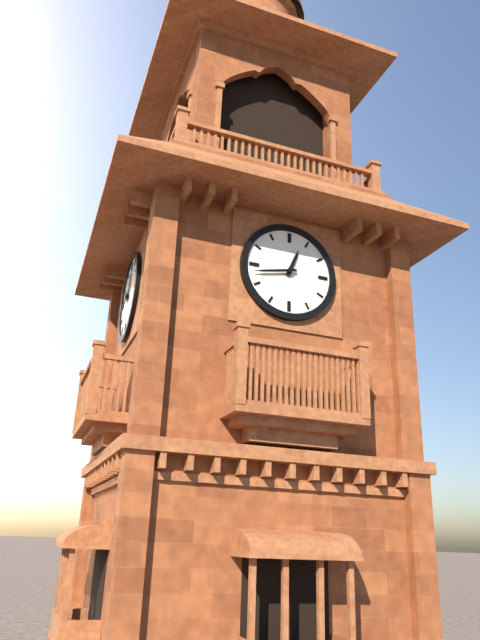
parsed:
12:43
